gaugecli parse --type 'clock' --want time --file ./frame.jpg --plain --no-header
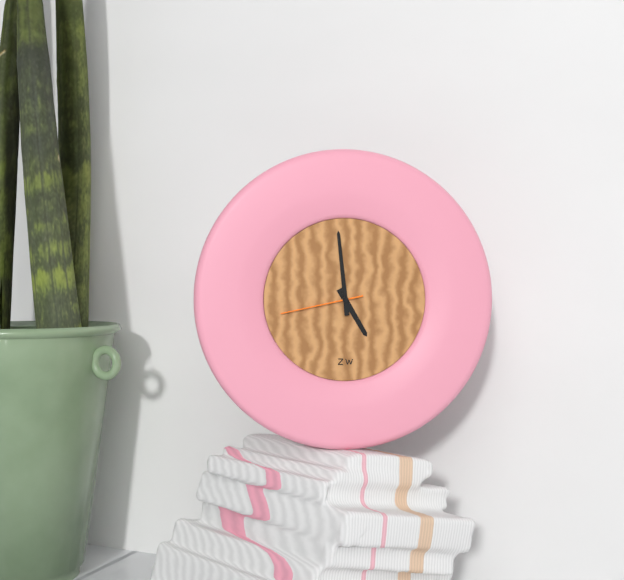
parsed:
4:59:43
